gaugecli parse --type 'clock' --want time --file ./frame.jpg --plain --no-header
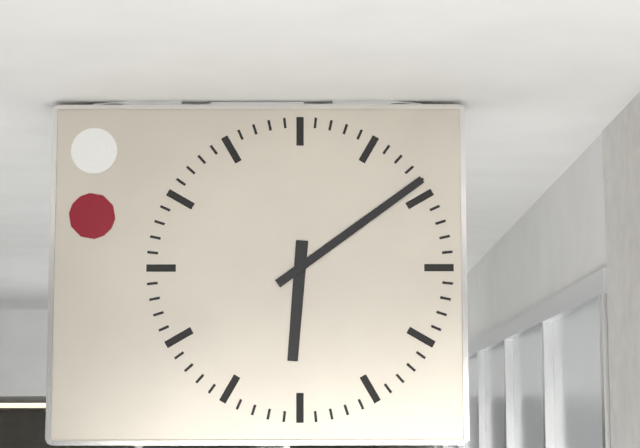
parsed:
6:09
